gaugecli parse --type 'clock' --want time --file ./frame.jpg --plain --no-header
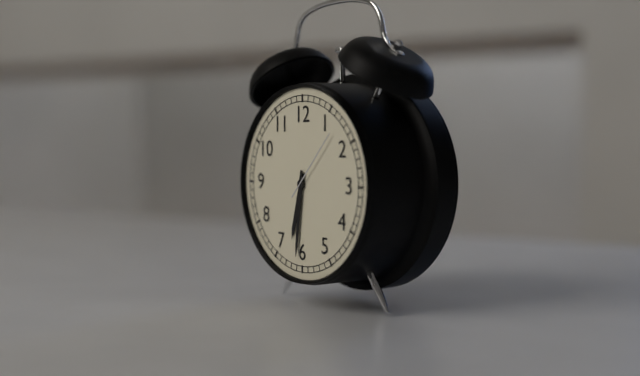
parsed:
6:31:07
